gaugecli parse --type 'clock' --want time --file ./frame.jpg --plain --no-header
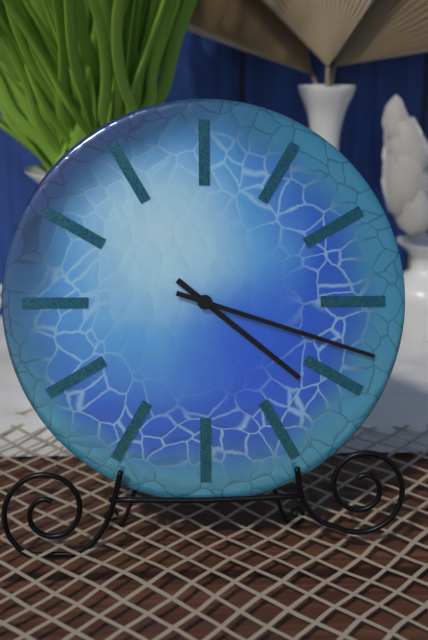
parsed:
4:18
